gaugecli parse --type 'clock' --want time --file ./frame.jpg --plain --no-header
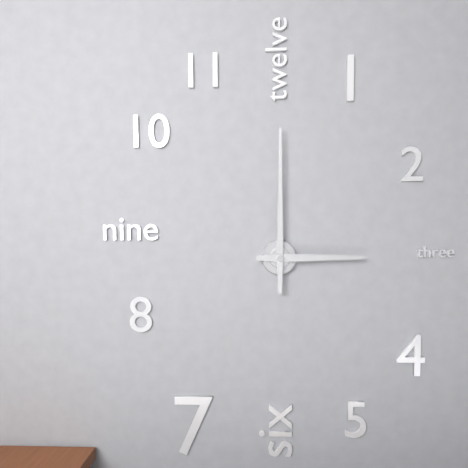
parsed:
3:00
